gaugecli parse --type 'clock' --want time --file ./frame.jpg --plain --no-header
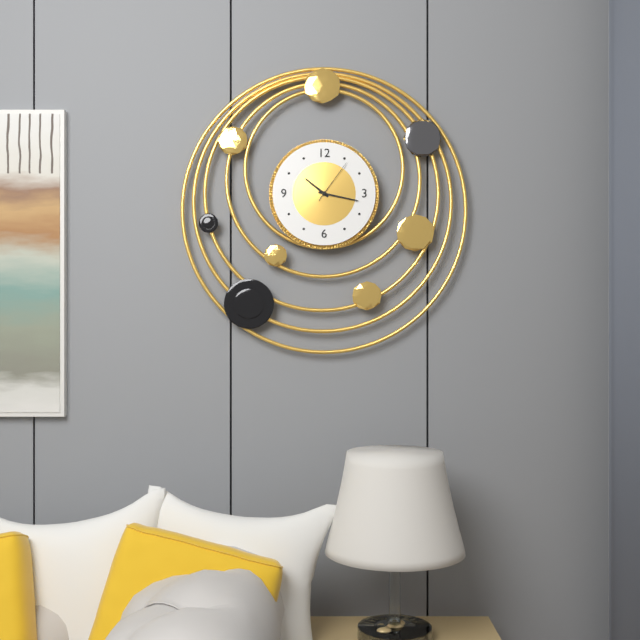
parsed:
10:17
